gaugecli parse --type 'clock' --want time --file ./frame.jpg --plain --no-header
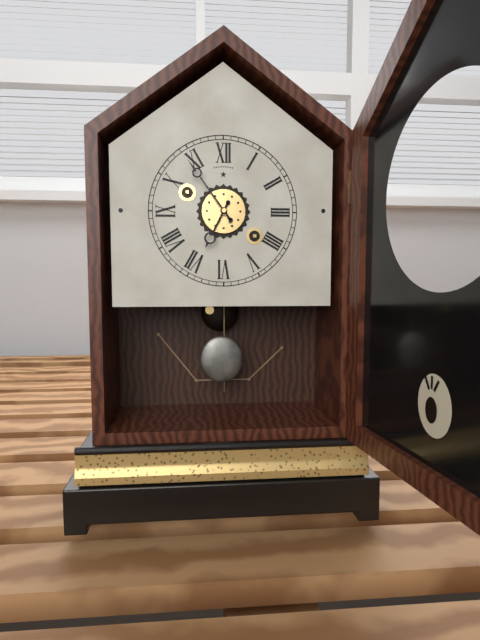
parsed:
6:54
